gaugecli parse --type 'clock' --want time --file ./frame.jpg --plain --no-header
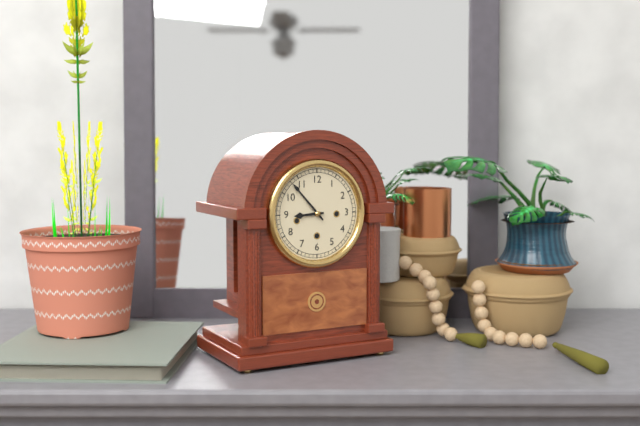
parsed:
8:53
